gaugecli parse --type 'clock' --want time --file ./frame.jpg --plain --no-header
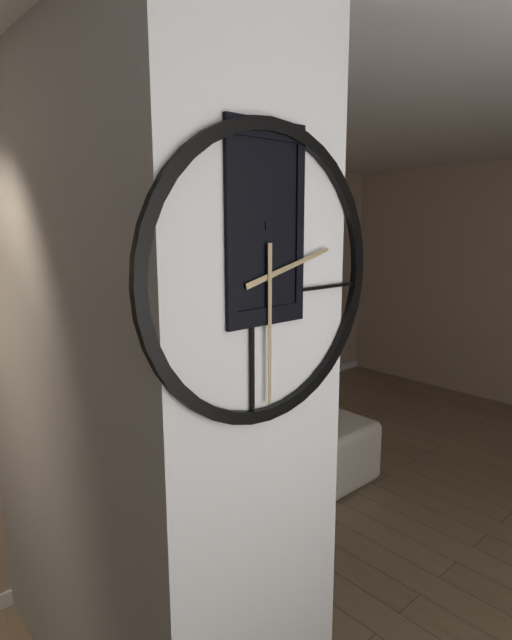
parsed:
2:30
